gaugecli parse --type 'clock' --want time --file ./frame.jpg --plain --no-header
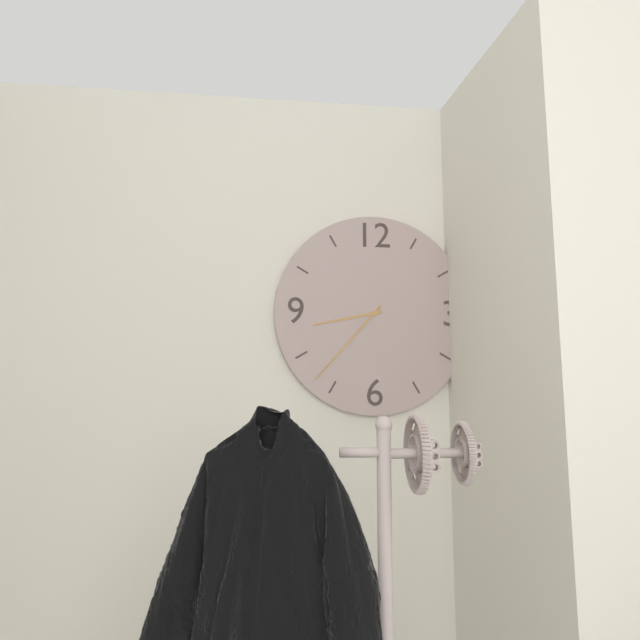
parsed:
8:37
